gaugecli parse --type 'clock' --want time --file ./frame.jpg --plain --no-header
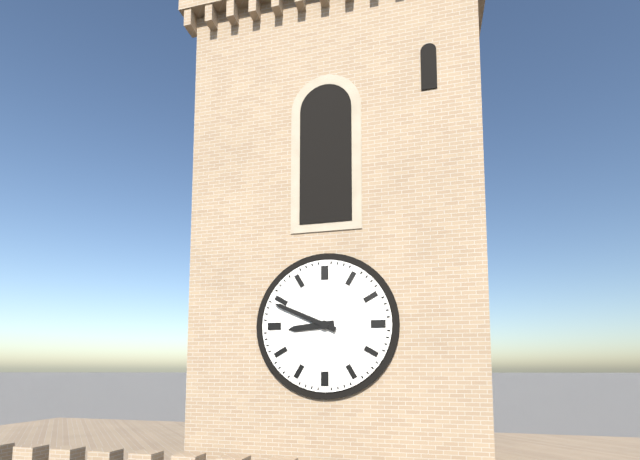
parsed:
8:49
